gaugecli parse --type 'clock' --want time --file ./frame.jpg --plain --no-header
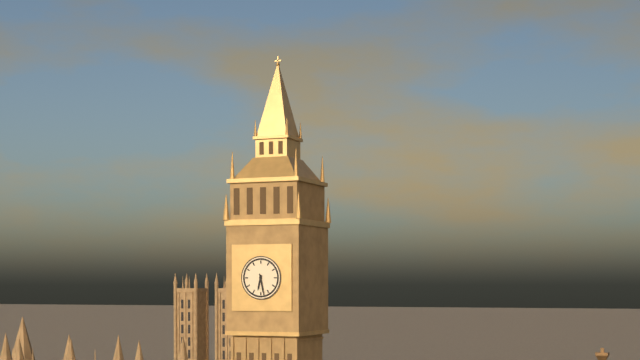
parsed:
6:28
